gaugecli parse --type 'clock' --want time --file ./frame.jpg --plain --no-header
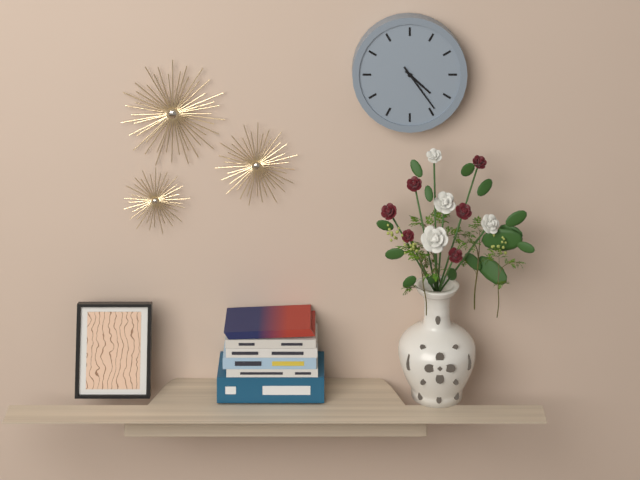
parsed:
4:24
